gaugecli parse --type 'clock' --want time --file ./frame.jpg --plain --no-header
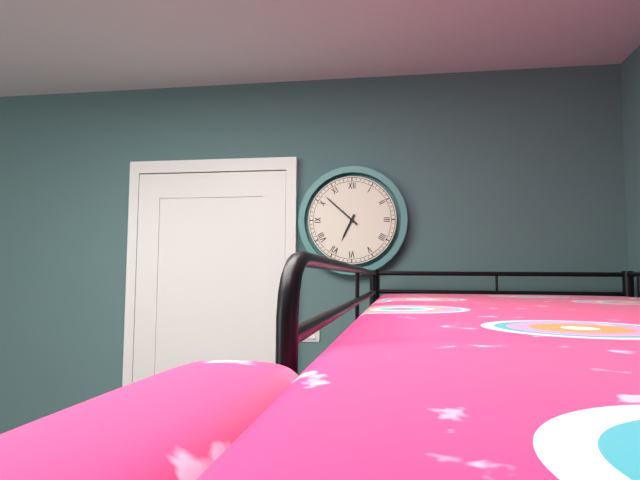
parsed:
6:52
